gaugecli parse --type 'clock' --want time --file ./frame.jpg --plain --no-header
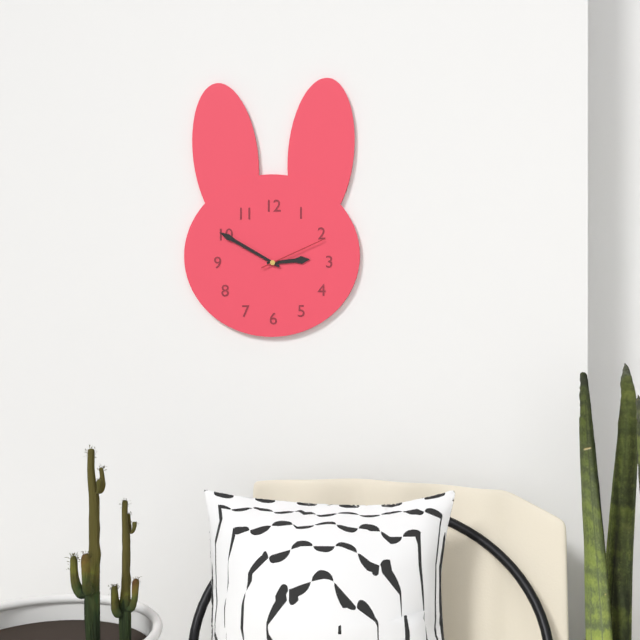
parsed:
2:50:11
